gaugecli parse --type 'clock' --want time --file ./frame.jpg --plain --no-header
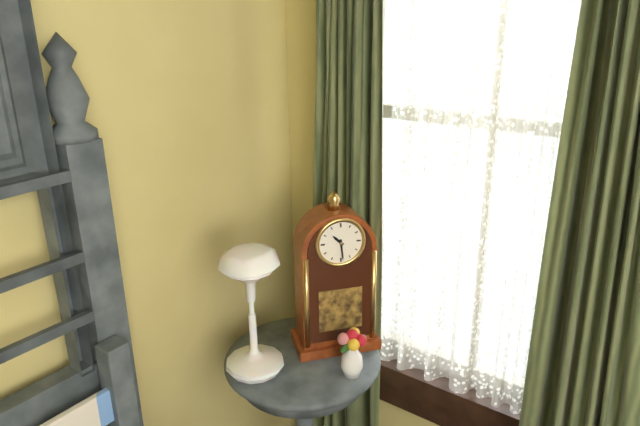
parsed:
10:29
